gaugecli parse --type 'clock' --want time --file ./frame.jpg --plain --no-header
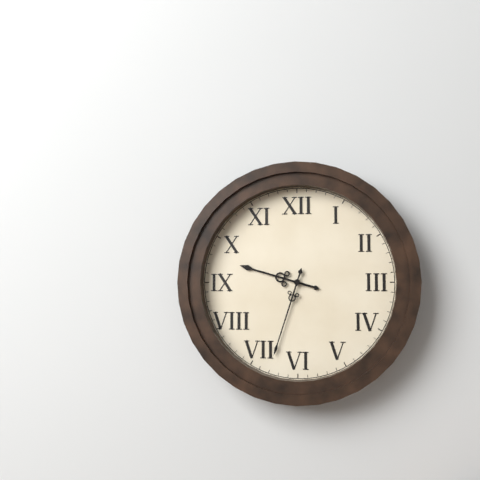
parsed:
9:33
